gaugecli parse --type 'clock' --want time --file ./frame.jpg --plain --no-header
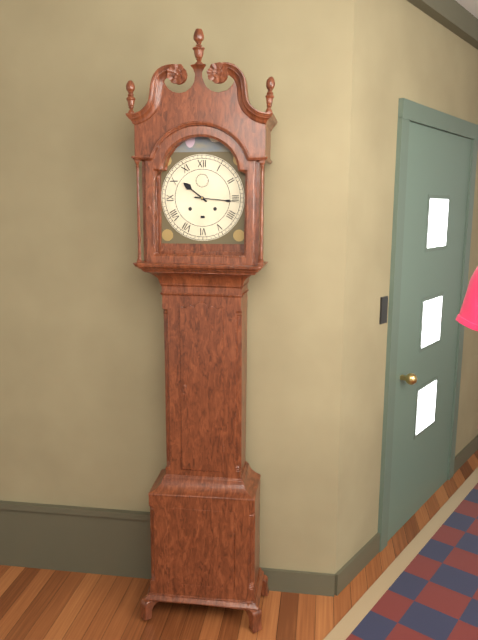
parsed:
10:16
